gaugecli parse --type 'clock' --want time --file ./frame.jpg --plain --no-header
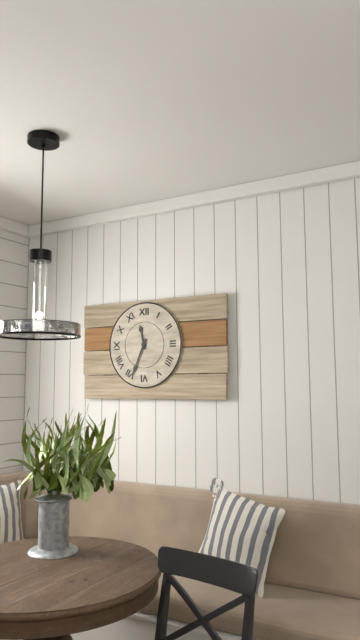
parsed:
11:34
